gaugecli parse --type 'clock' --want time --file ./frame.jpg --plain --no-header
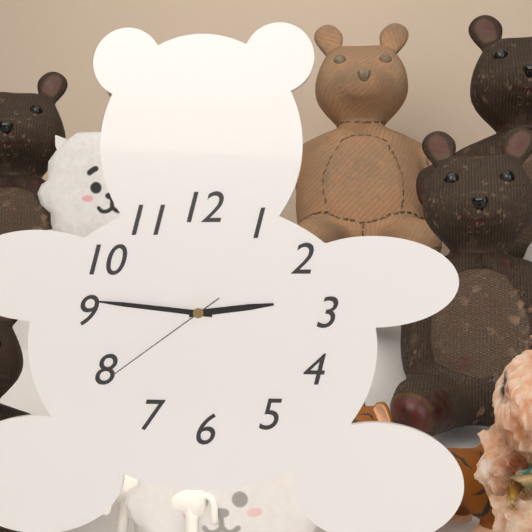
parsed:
2:46:39
